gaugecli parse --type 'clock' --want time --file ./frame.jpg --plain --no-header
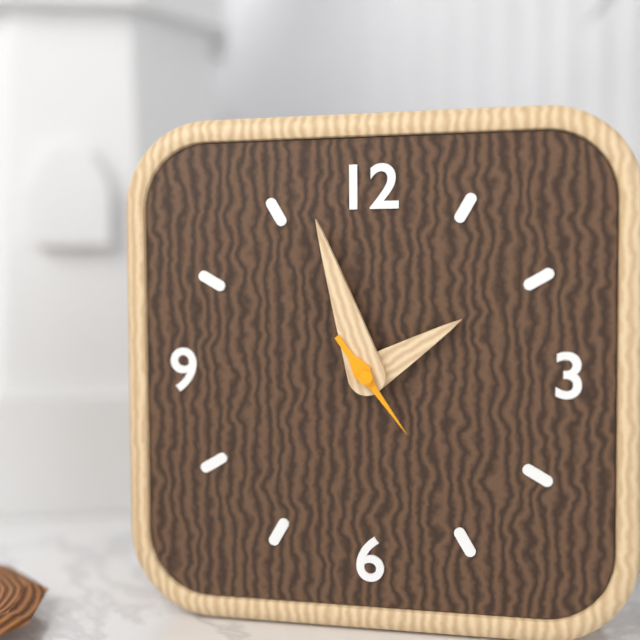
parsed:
1:57:24
